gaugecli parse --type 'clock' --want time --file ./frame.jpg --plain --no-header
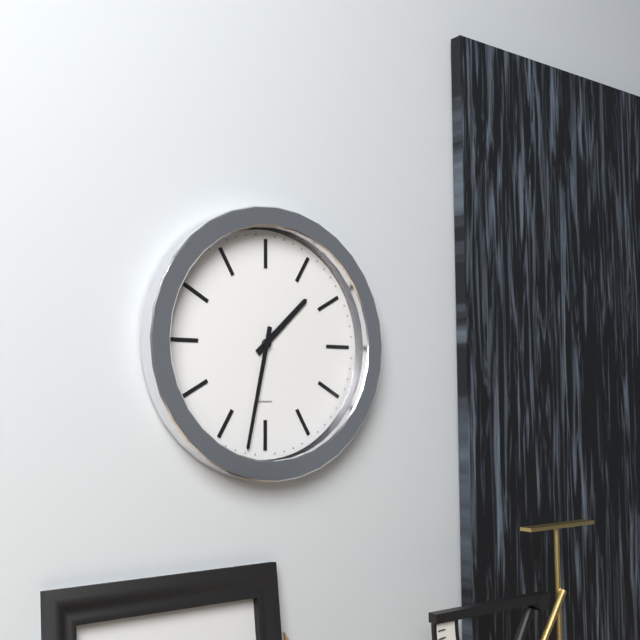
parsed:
1:32
